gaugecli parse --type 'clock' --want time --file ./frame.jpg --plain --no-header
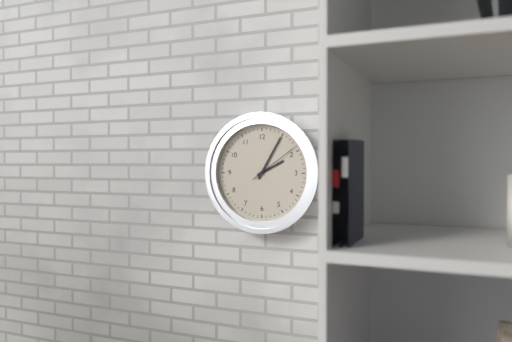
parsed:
2:05:09
